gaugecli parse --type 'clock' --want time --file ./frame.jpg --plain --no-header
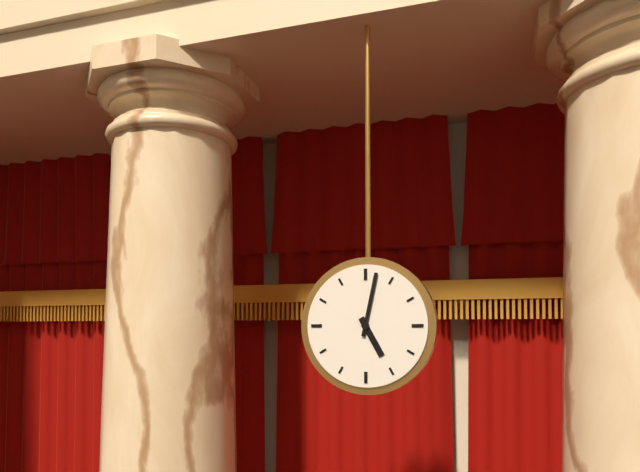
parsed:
5:02
